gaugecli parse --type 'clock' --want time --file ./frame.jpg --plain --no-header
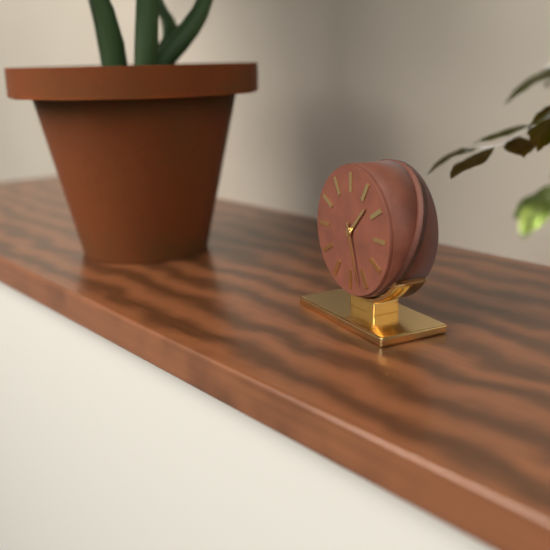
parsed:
1:27
